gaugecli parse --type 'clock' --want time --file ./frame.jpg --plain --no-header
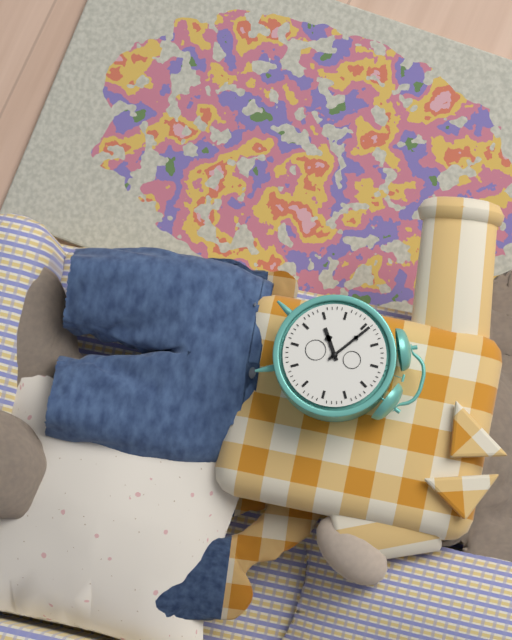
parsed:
7:51
